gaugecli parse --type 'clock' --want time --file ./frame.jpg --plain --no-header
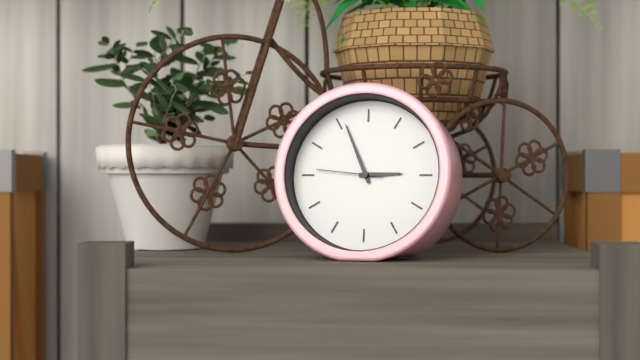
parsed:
2:56:46
